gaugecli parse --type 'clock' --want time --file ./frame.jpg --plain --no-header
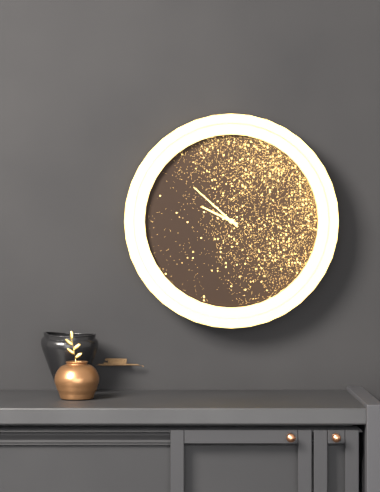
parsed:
9:52
